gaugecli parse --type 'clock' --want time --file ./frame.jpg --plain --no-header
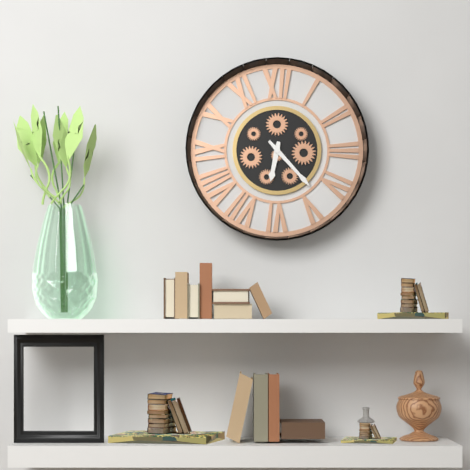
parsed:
6:23
